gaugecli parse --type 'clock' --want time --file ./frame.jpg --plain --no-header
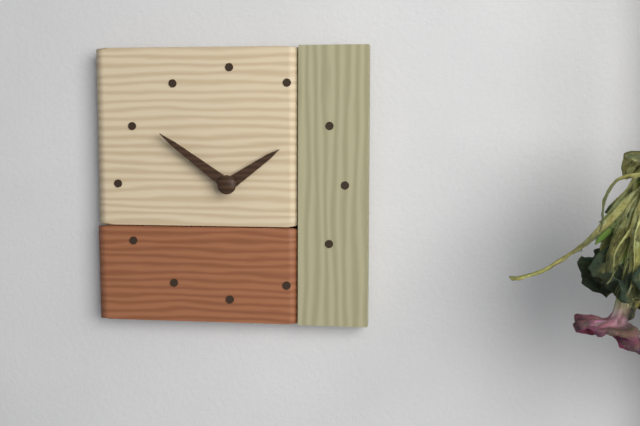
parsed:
1:51
